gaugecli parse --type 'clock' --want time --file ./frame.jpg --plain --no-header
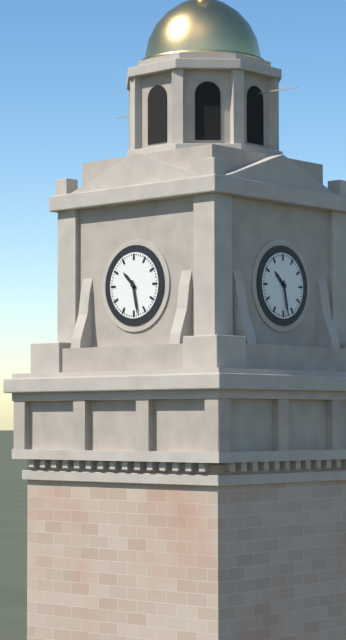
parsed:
10:28
